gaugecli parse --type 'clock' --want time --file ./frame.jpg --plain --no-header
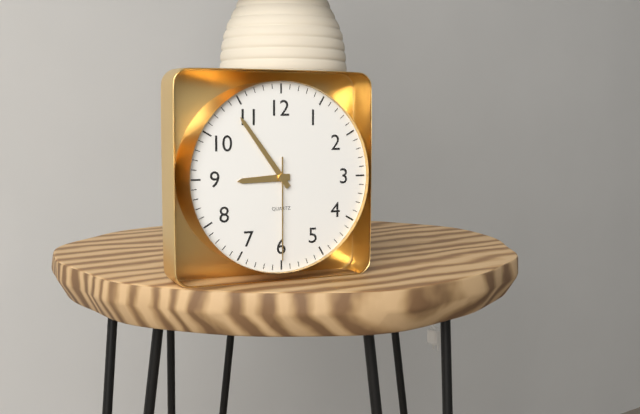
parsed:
8:54:30
